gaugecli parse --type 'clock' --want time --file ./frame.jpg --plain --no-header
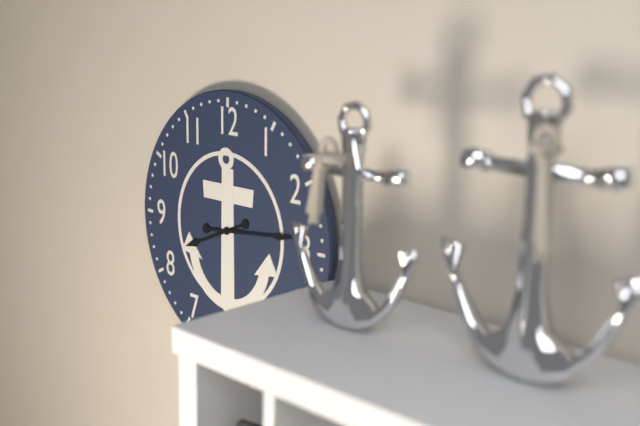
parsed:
8:14
